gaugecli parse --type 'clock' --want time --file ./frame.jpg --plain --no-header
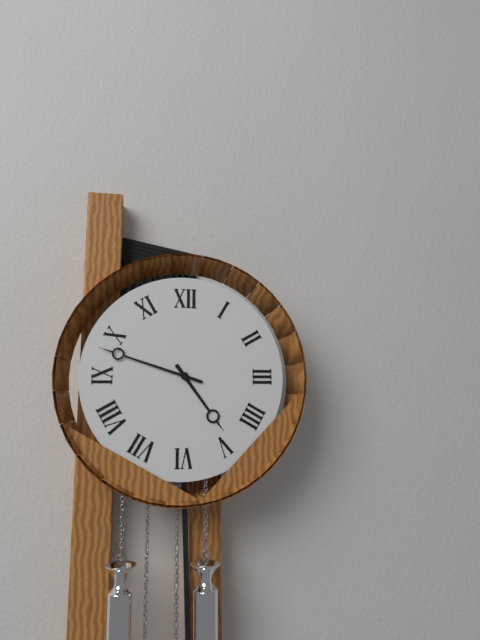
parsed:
4:48
